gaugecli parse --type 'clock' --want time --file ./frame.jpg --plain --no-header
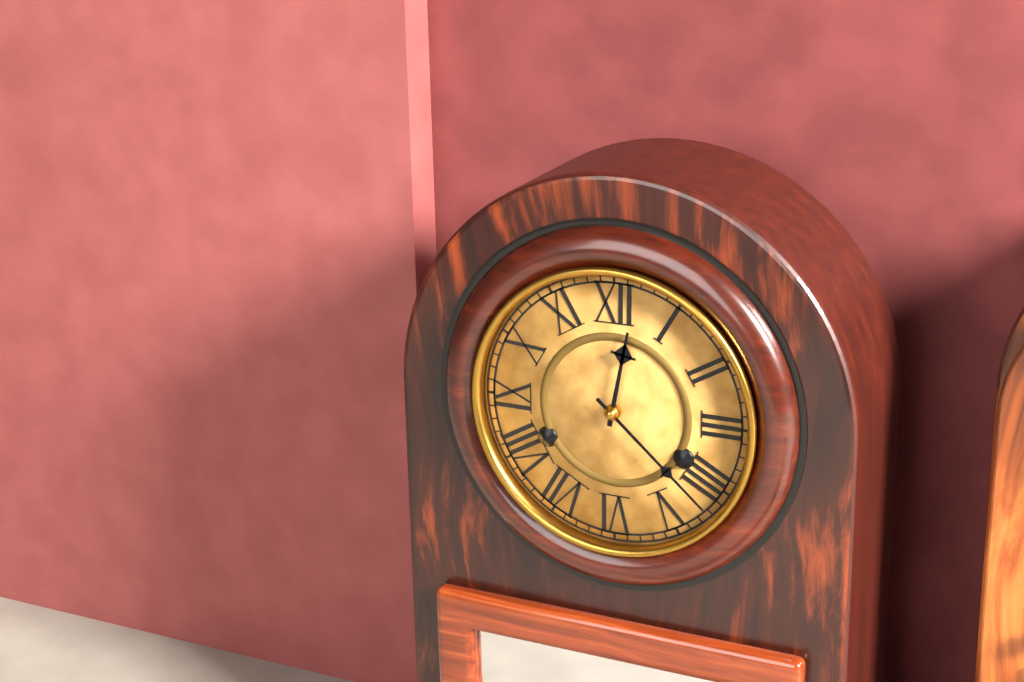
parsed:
12:22
